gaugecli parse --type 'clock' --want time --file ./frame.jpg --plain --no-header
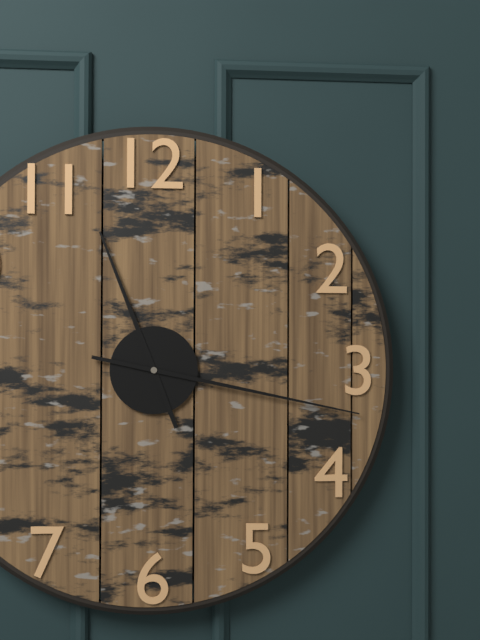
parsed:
11:17
